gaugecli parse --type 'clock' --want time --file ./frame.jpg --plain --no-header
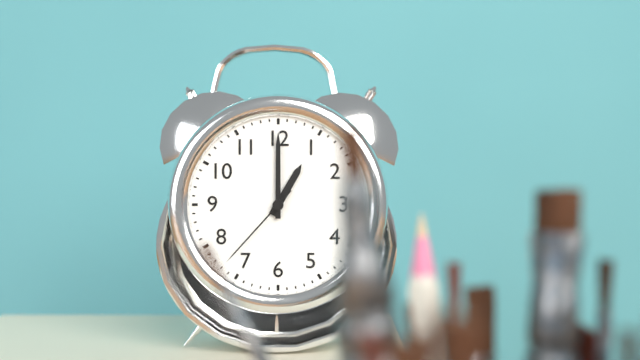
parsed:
1:00:37
